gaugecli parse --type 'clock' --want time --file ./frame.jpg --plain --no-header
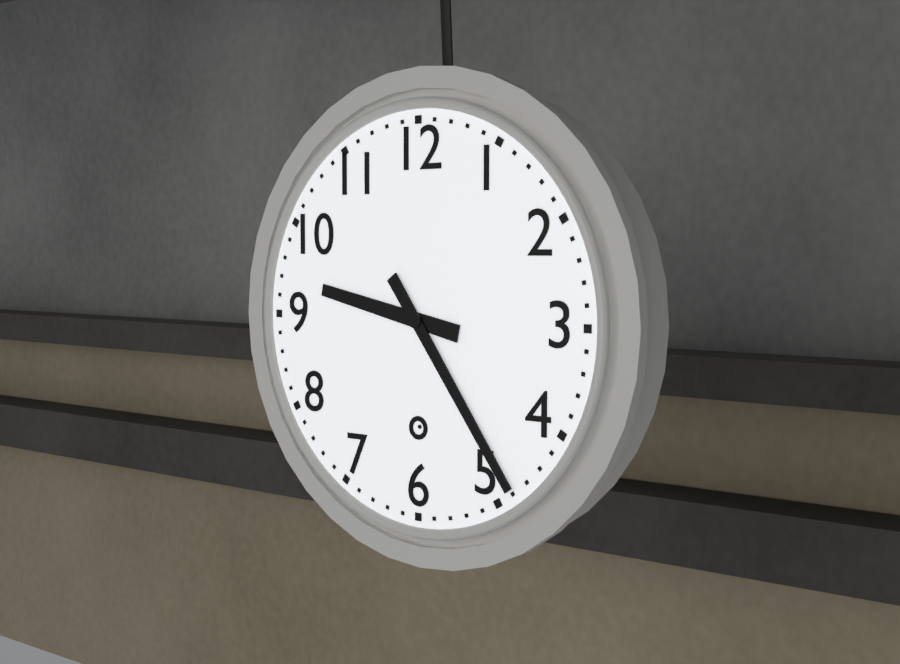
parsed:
9:24
